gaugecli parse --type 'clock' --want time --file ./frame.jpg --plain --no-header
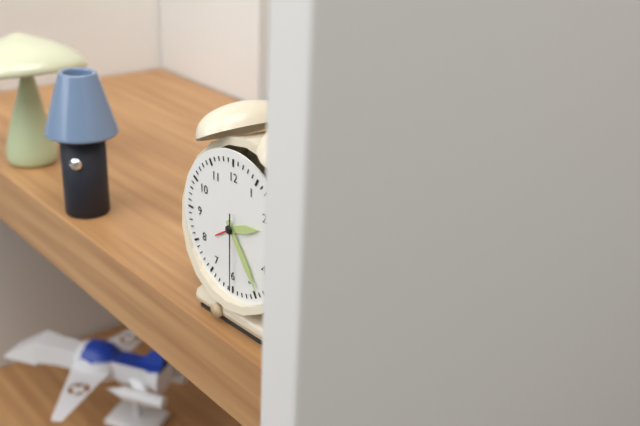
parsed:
2:24:30
